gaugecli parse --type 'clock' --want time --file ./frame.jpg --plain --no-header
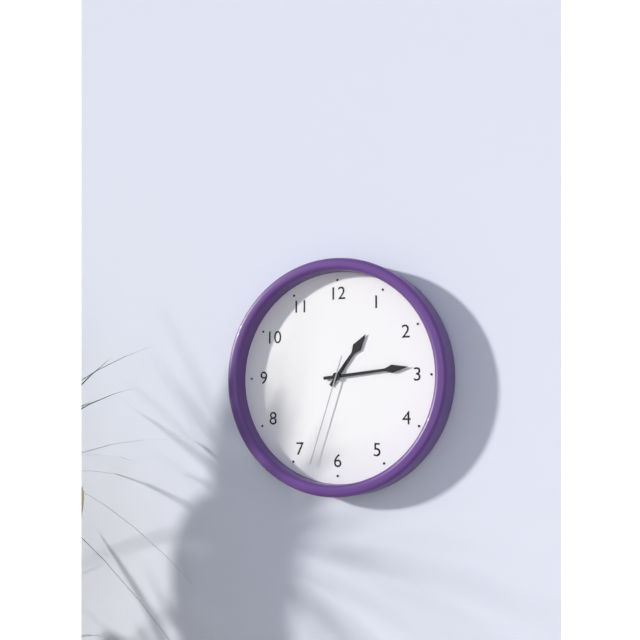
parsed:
1:14:33
